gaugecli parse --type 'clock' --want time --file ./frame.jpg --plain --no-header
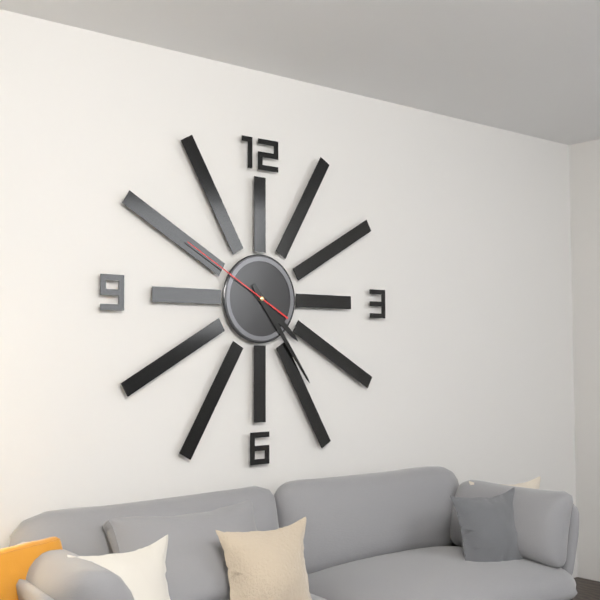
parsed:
4:24:50
